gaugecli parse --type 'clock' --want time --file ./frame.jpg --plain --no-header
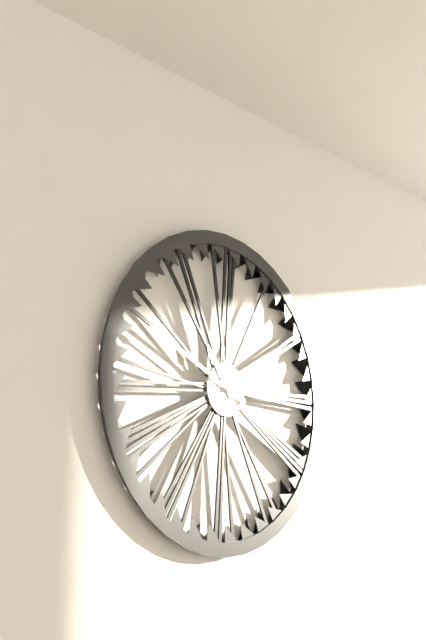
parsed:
10:49
